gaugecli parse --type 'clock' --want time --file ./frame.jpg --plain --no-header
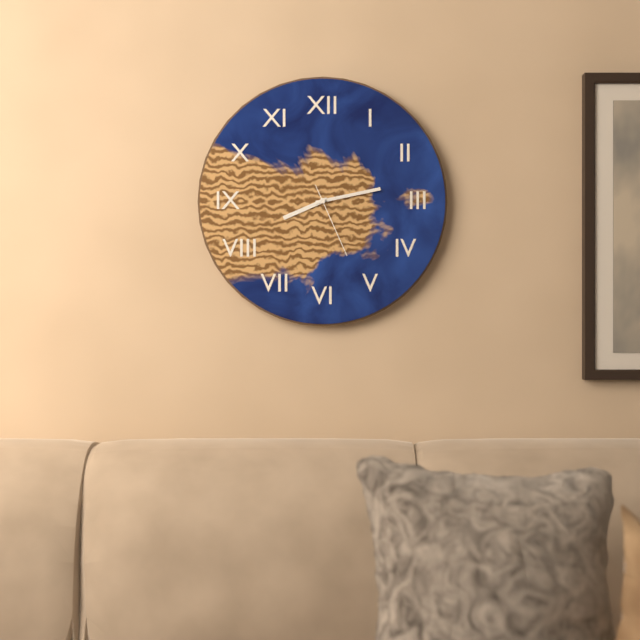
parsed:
8:13:26
